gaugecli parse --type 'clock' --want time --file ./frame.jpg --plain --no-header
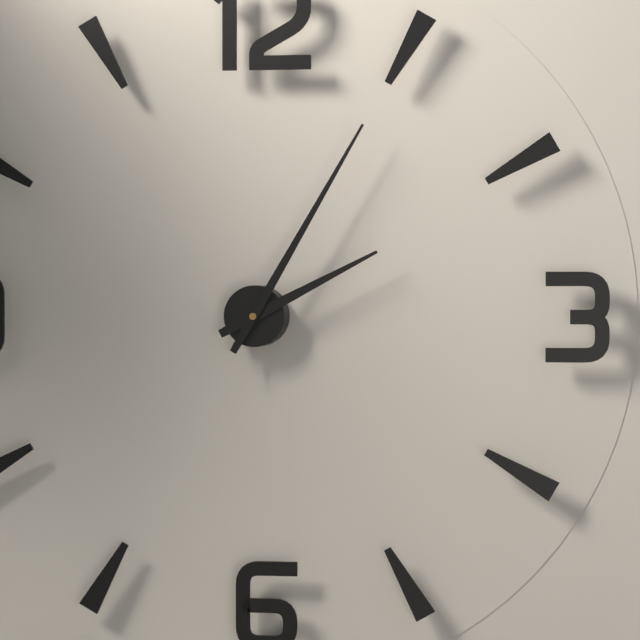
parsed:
2:05
